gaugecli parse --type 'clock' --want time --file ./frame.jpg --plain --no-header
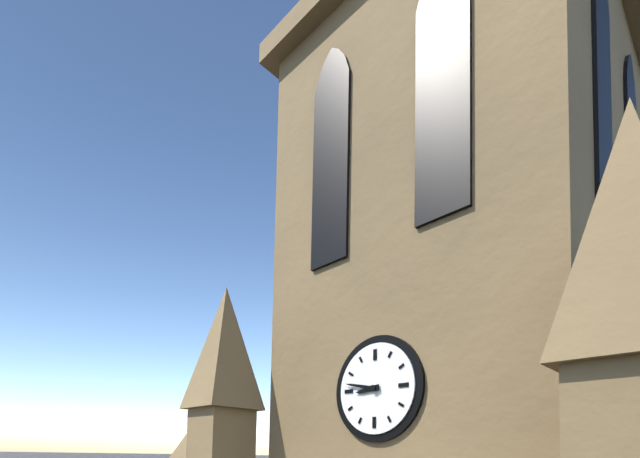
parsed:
8:47
